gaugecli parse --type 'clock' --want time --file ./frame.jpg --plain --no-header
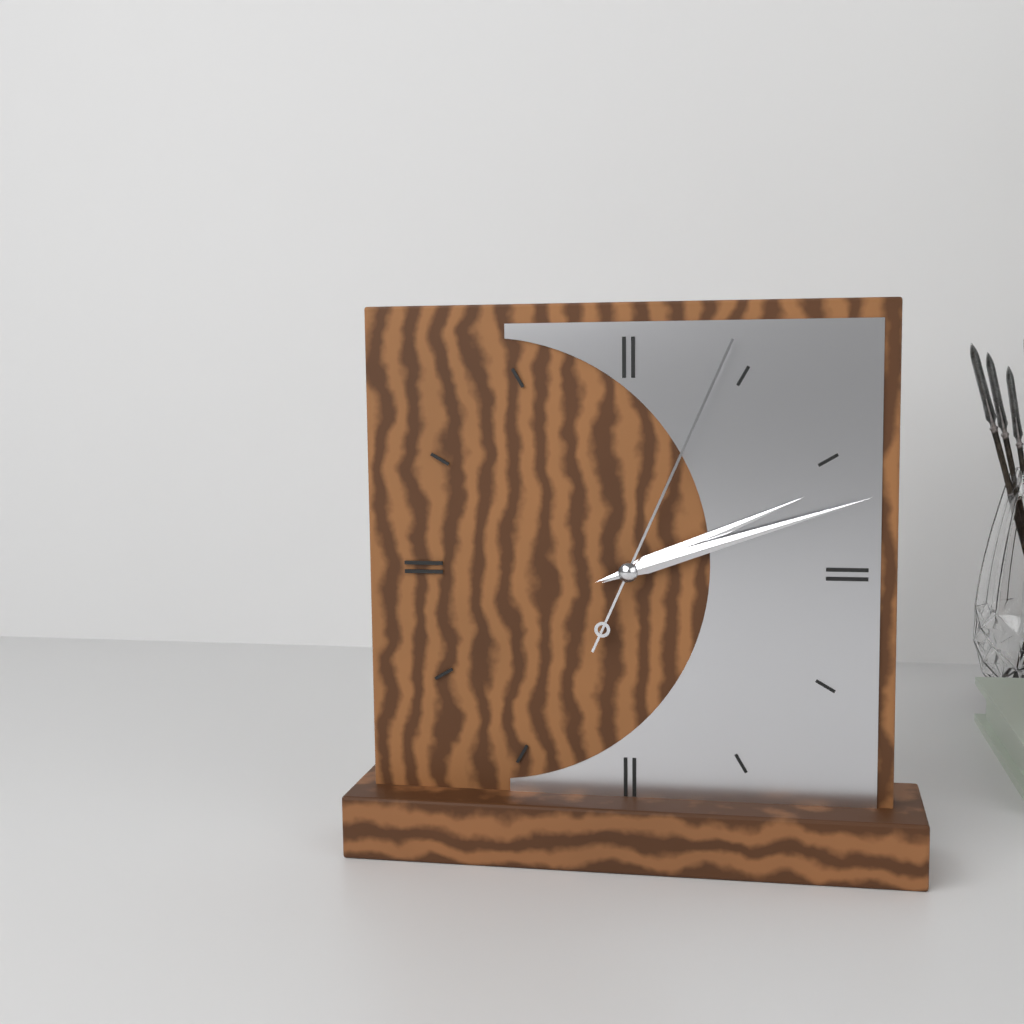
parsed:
2:12:04
